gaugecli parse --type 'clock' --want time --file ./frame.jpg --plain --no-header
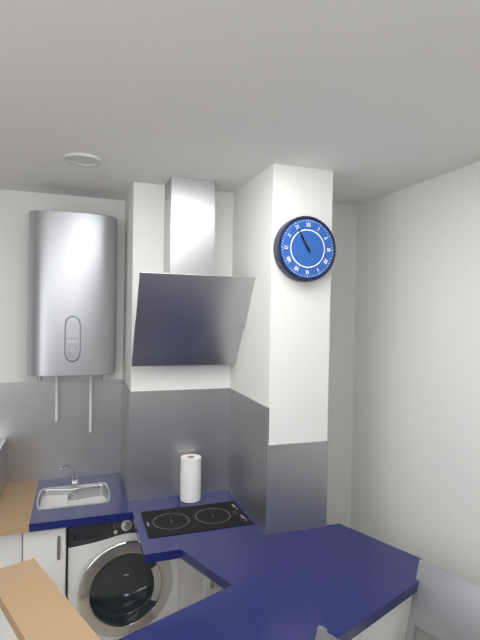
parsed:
10:55
